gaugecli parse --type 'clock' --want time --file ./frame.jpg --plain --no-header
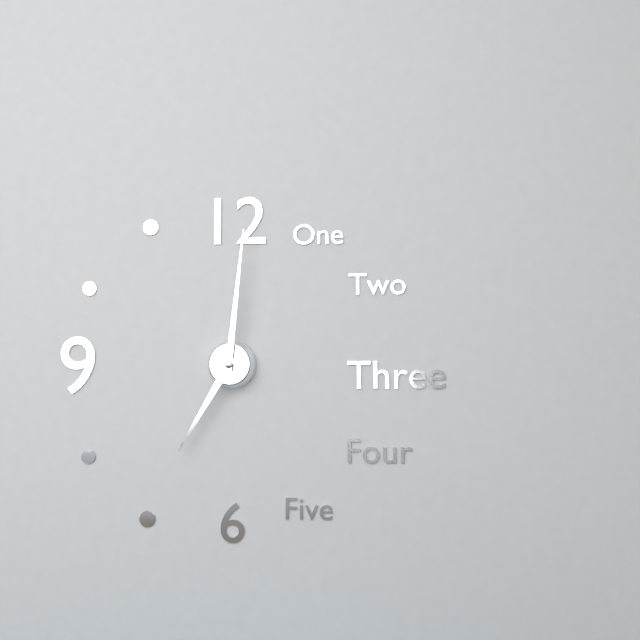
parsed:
7:01
